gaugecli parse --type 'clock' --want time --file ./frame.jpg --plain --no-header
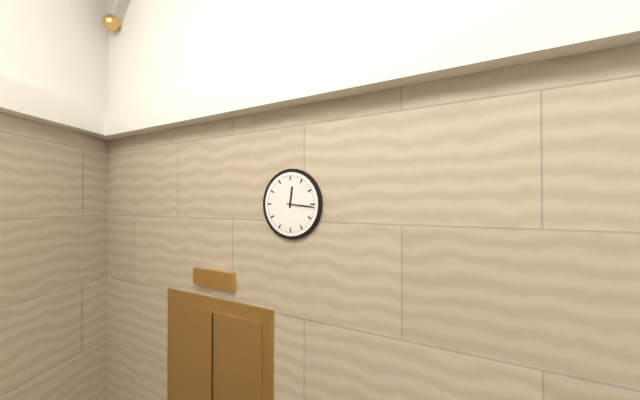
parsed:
12:16
